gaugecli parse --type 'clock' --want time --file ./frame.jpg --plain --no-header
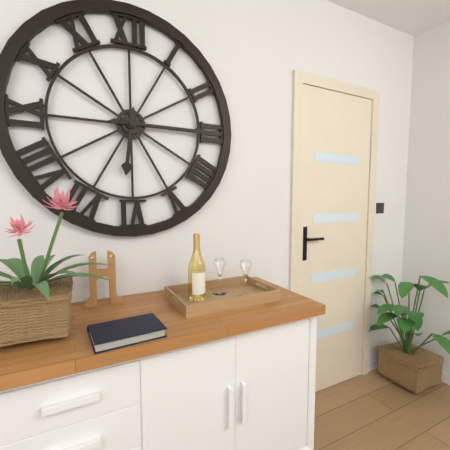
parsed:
6:15
